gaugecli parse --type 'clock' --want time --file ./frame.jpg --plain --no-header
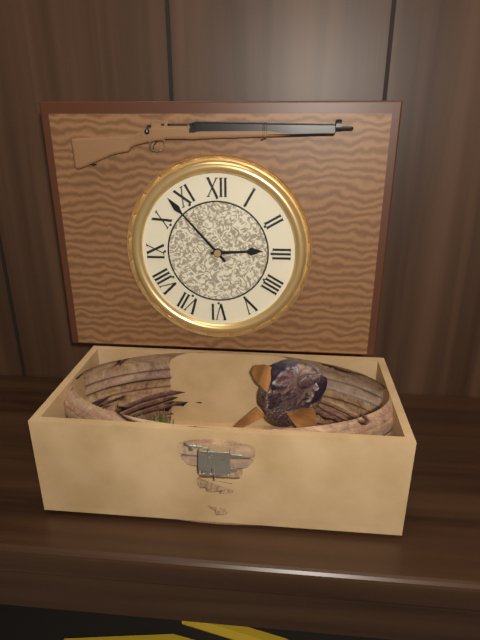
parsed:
2:53
